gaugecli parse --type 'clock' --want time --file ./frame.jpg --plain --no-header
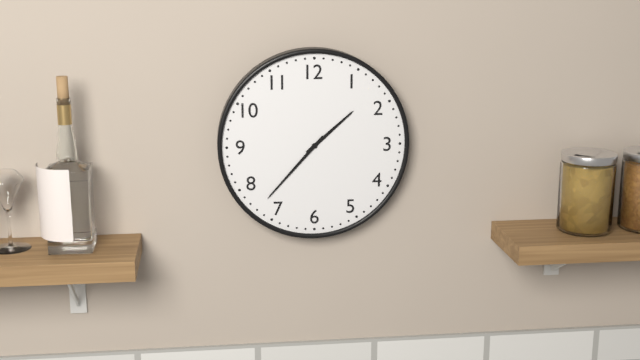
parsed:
1:37
